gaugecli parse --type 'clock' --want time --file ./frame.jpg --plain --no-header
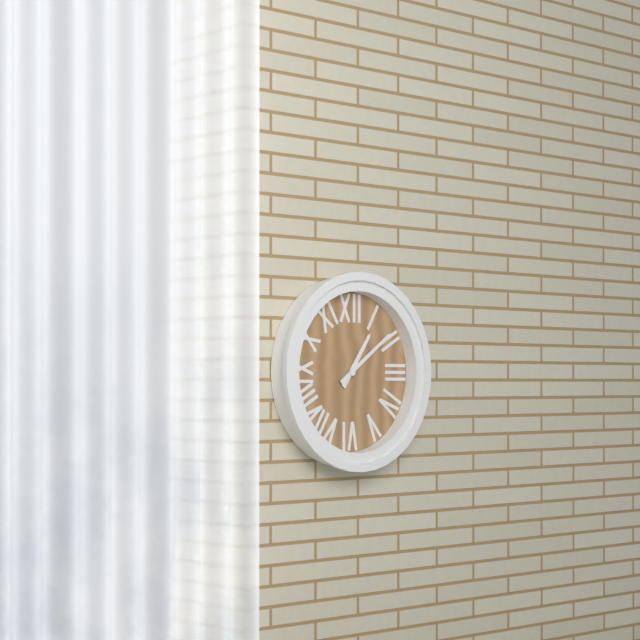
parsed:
1:09
